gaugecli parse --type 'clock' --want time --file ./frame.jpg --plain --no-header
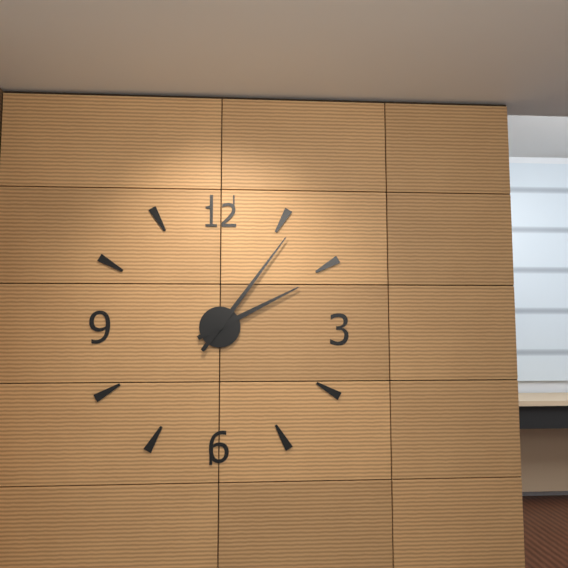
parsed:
2:06
